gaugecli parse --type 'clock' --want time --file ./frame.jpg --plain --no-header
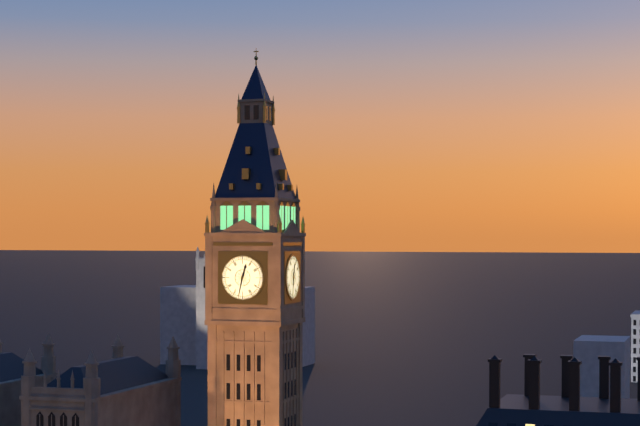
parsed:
12:32
